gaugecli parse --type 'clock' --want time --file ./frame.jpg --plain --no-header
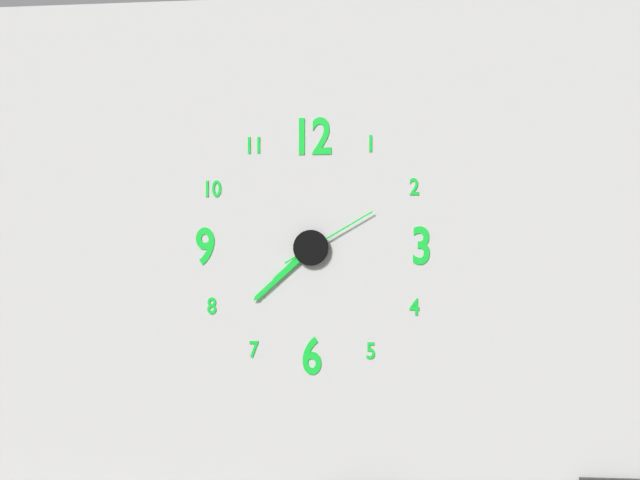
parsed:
7:38:10
